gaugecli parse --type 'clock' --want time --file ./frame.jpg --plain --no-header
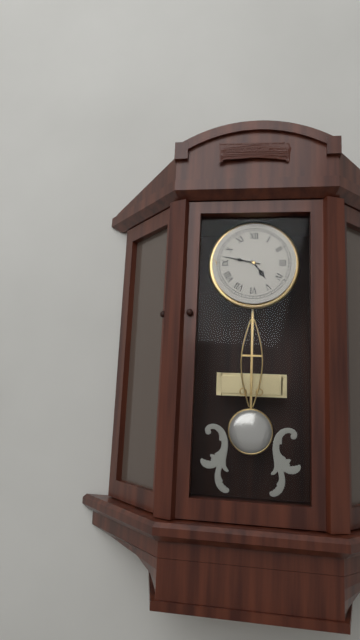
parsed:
4:47
